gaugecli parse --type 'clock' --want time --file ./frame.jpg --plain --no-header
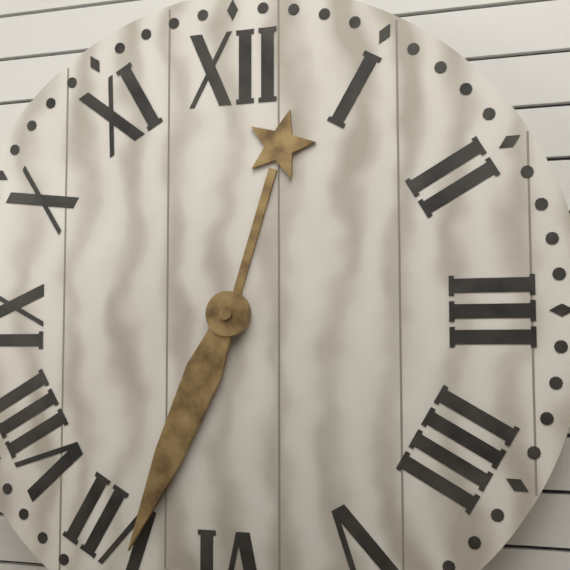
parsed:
12:34
